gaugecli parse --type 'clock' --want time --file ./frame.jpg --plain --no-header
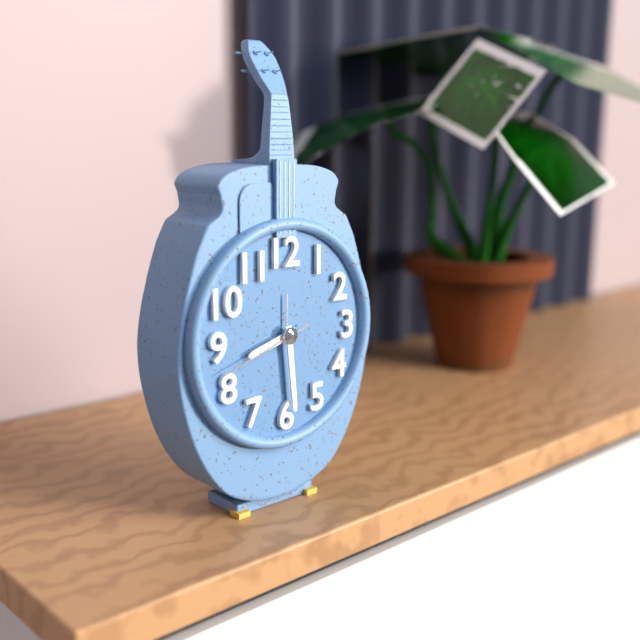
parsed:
8:29:42
